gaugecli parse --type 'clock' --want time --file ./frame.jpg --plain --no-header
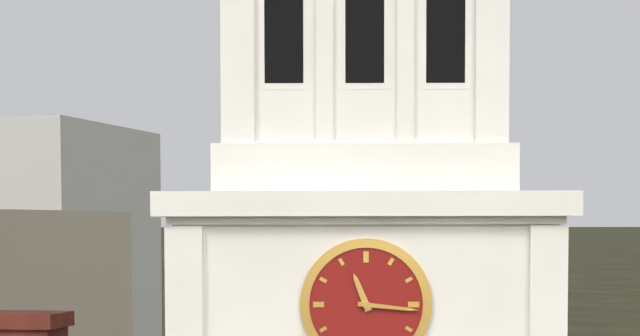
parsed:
11:16
